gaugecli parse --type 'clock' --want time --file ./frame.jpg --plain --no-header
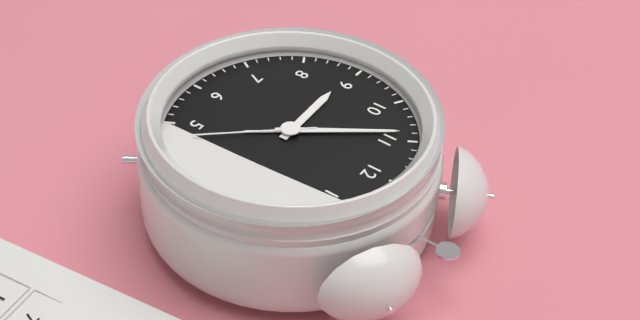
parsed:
8:54:23
